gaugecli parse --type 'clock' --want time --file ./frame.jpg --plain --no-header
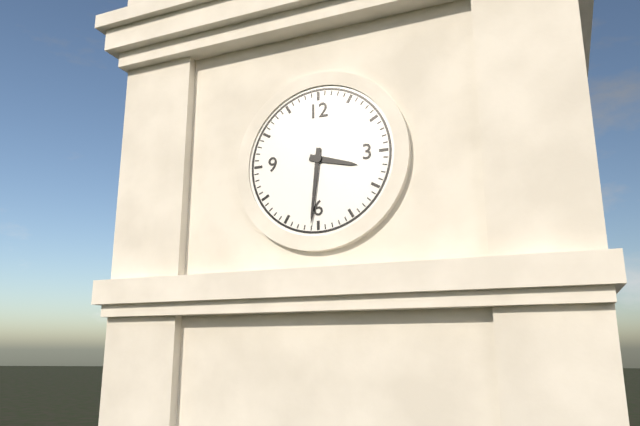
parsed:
3:31
